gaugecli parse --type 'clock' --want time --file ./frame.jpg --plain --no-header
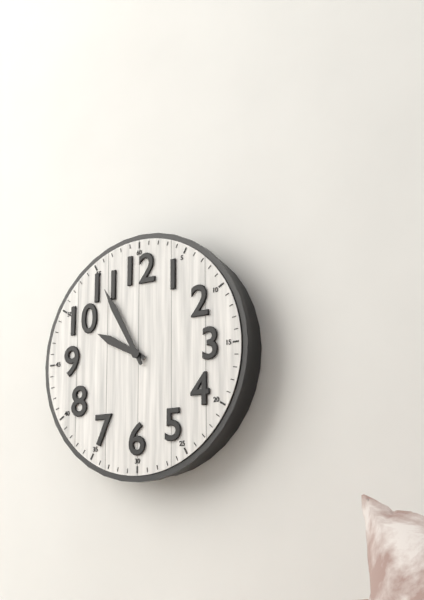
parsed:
9:55
